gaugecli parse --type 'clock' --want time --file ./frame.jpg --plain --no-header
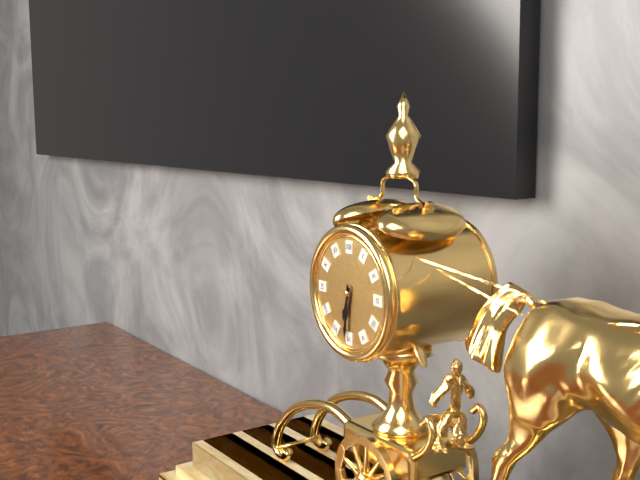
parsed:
6:31
